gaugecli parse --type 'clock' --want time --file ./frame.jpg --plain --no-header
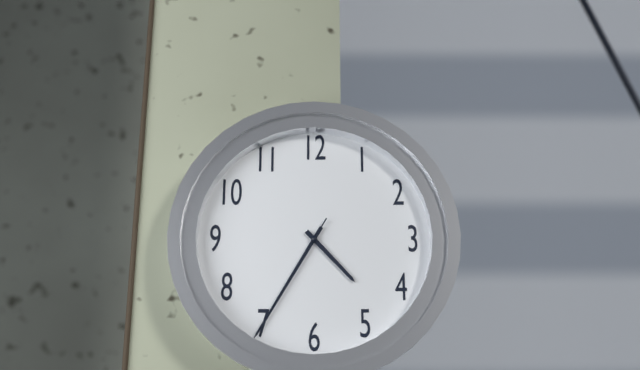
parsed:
4:35:35
